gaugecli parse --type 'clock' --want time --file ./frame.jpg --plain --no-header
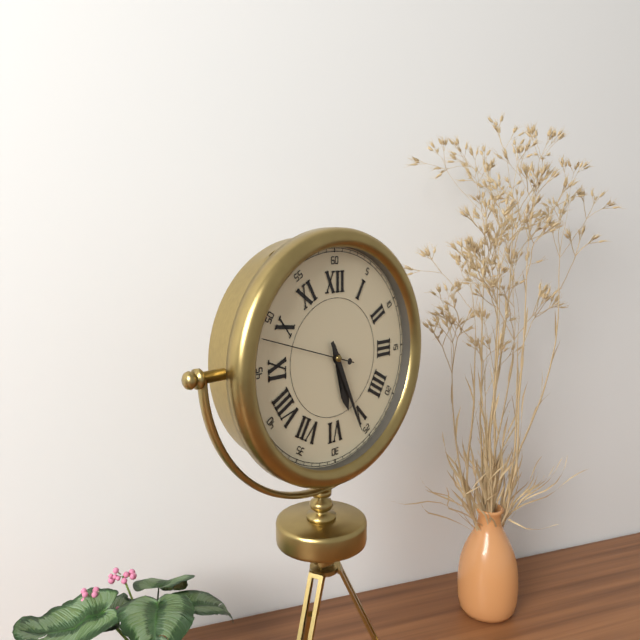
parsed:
5:26:48
